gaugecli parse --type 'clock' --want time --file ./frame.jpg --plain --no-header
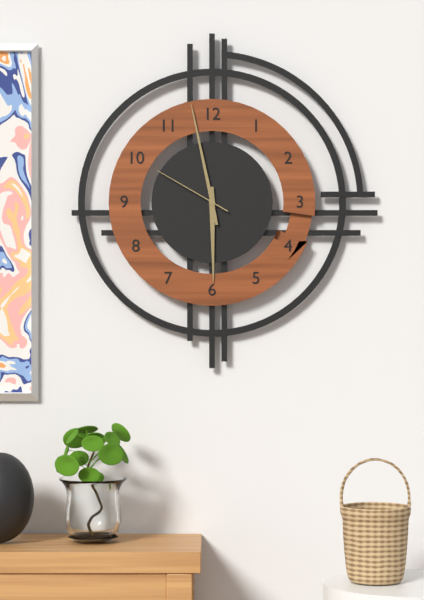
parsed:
5:58:50
